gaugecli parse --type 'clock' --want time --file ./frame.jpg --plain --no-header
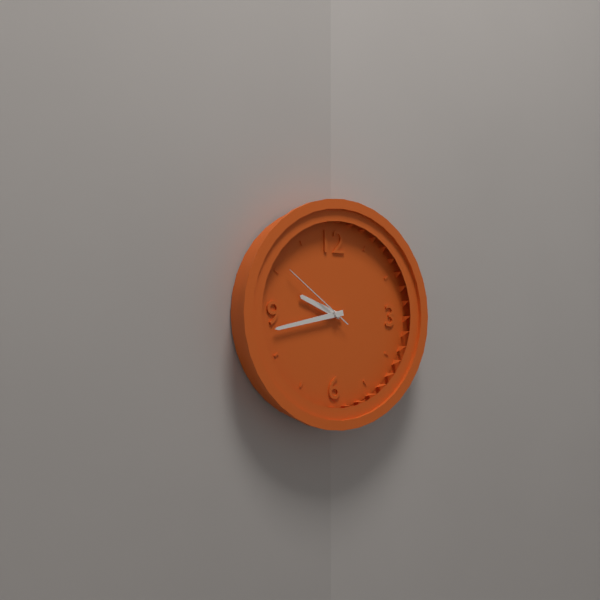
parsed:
9:43:51
